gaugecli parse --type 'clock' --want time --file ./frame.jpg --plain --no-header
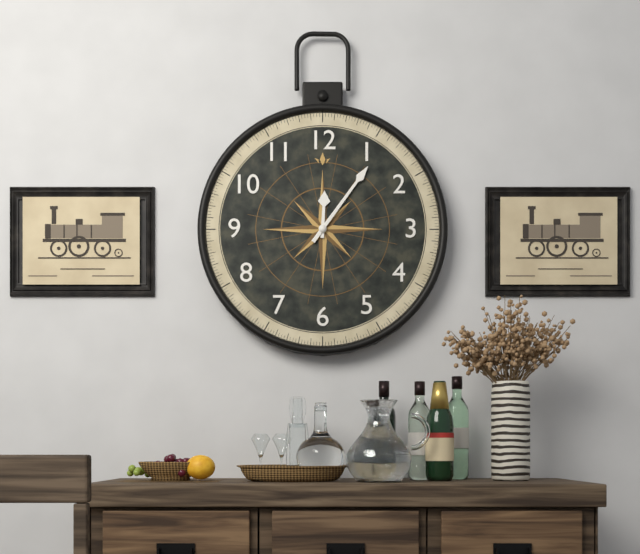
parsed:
12:06
